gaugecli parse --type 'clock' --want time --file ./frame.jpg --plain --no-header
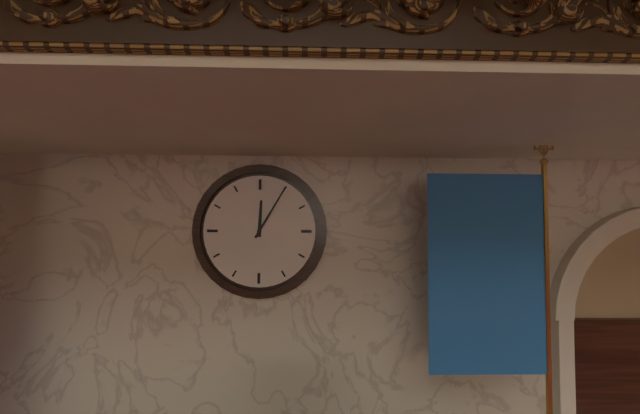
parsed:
12:05
